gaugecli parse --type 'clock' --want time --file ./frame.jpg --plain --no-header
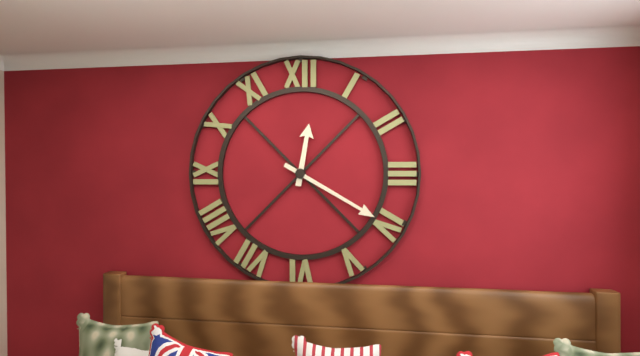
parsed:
12:20
